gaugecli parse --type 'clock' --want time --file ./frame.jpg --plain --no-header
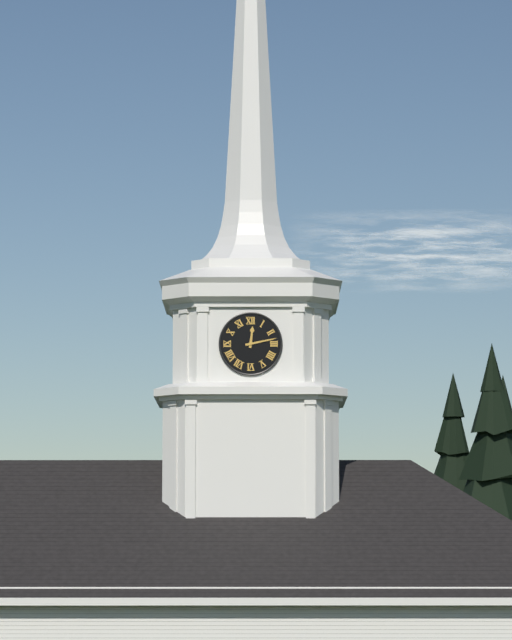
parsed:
12:13
